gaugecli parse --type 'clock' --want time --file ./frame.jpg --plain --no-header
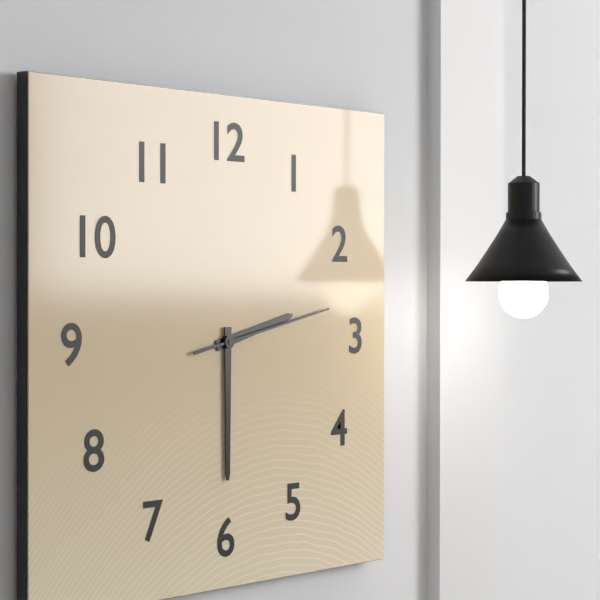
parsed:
2:30:13
